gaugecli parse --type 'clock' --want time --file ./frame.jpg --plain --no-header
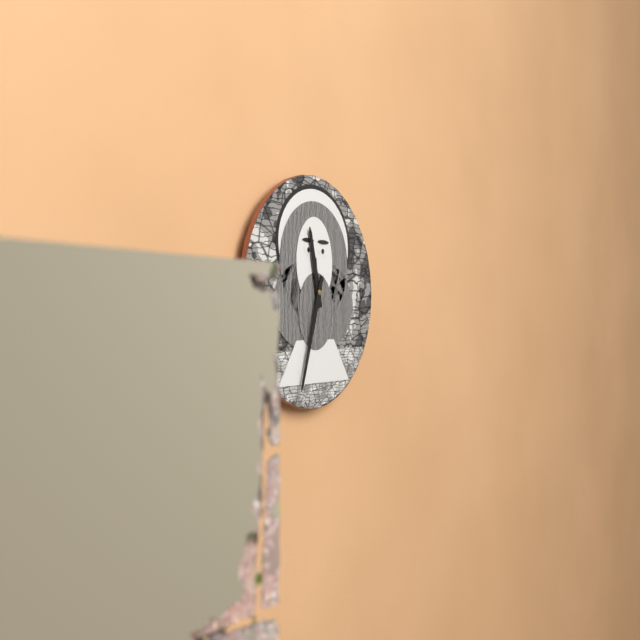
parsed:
11:33
